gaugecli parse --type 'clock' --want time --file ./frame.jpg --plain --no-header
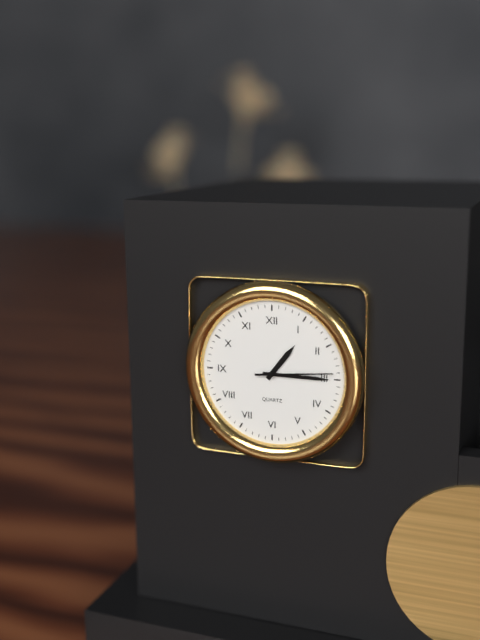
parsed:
1:15:14
